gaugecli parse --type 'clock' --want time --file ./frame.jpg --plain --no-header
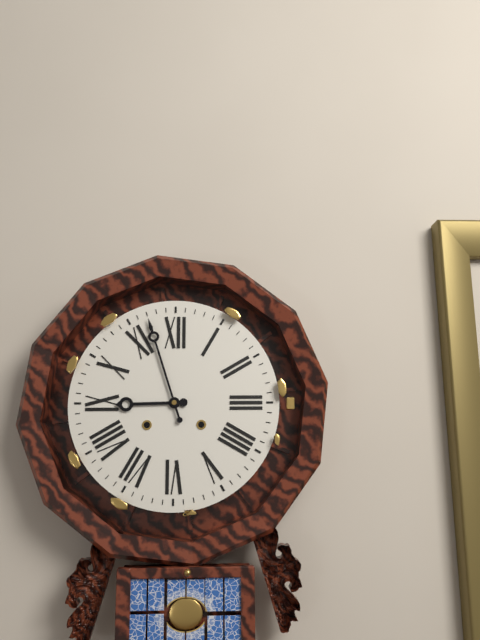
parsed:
8:57
